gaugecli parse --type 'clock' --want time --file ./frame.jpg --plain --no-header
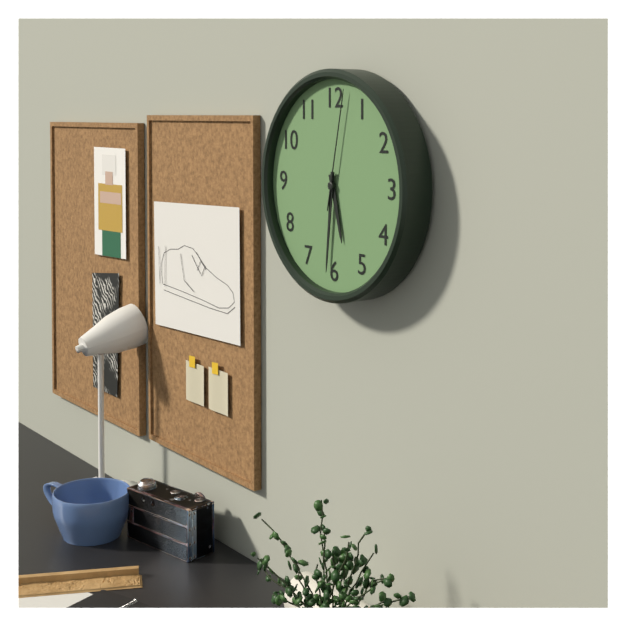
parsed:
5:31:02
